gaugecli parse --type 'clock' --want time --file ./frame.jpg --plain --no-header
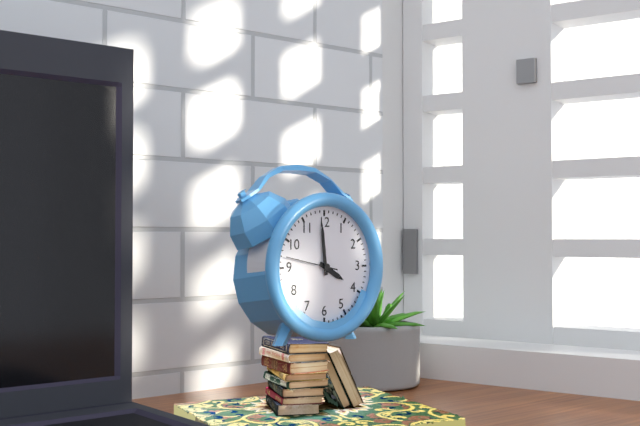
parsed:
3:59:47
